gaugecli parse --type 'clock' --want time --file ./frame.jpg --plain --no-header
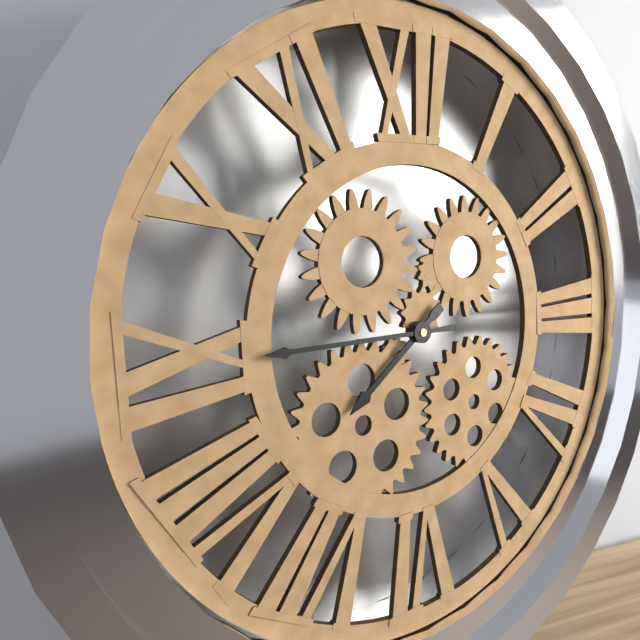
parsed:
7:45
